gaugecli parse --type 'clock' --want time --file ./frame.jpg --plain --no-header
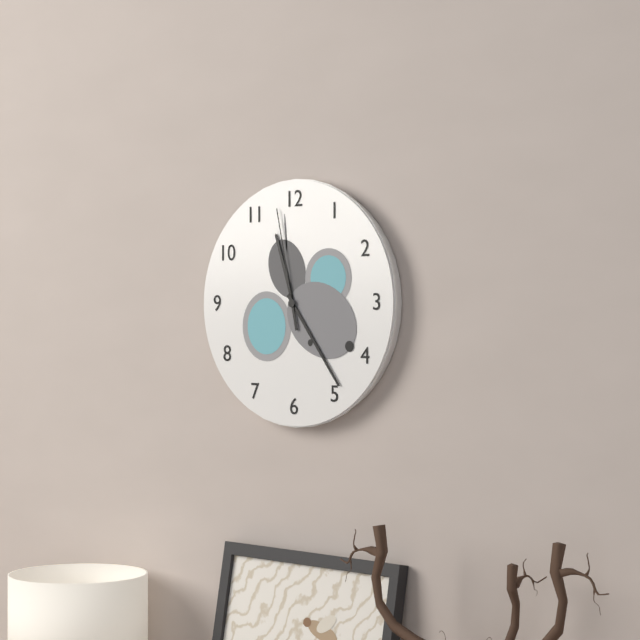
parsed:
11:24:58
